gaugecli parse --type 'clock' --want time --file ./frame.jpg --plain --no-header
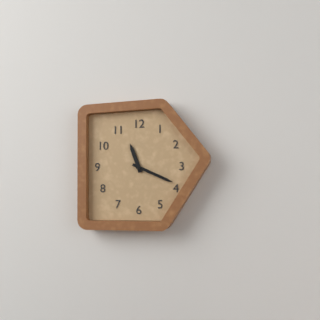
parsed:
11:19
